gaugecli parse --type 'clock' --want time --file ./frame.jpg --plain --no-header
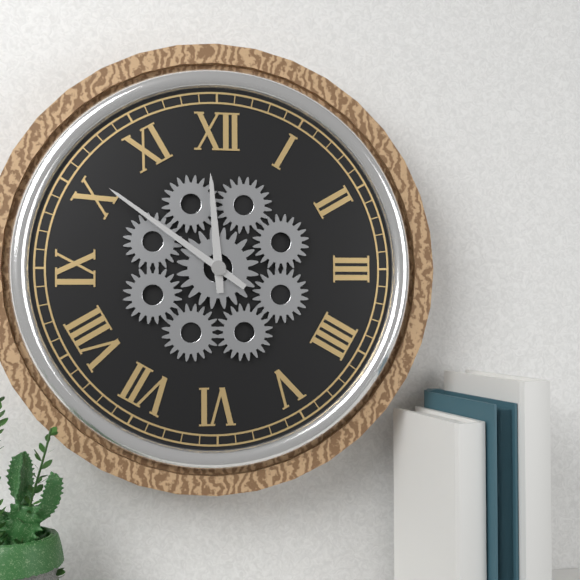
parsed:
11:51
